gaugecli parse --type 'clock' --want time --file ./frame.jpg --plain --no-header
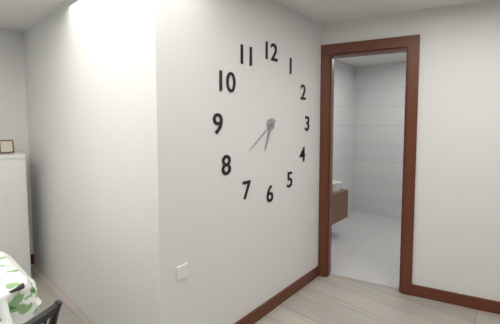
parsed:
6:39
